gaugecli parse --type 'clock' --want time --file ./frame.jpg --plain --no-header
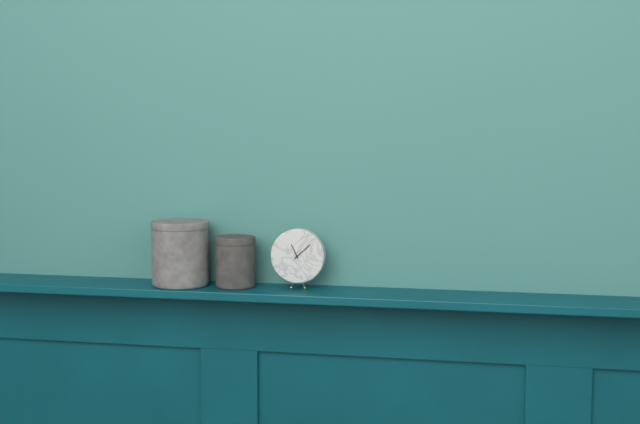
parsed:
11:08
